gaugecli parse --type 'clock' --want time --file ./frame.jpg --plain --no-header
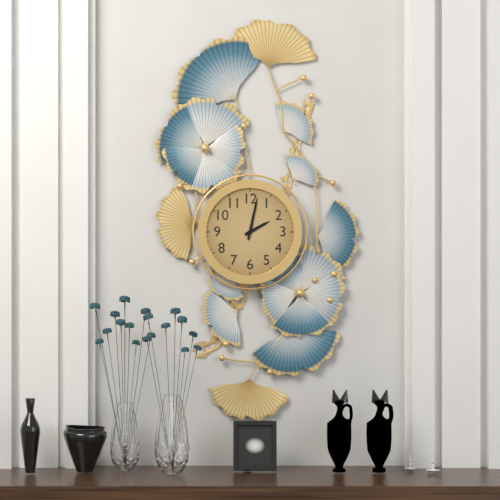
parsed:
2:02
